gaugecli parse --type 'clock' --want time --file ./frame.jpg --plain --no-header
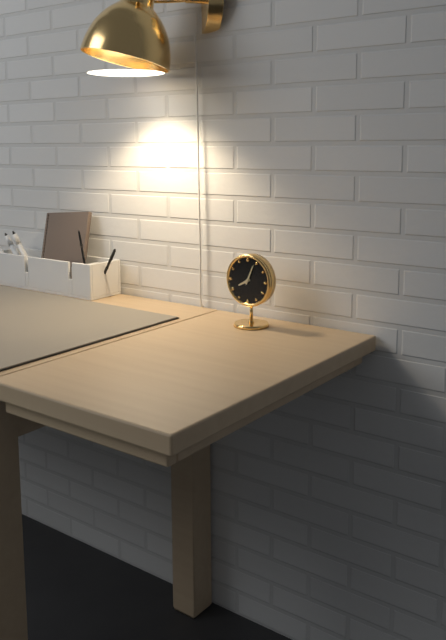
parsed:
8:04
